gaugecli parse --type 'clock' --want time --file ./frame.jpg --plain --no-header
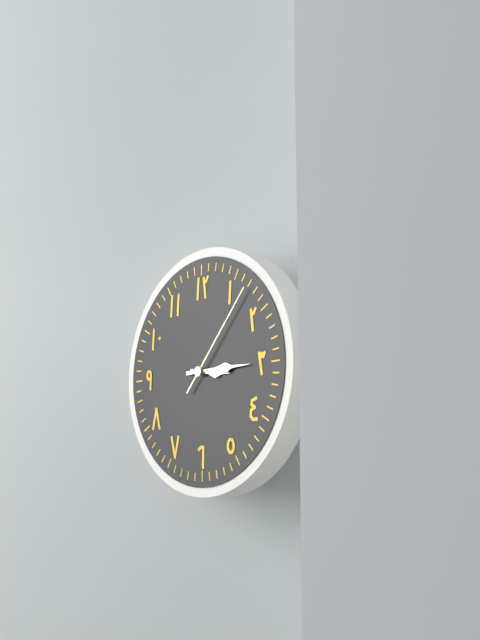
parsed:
3:15:07
